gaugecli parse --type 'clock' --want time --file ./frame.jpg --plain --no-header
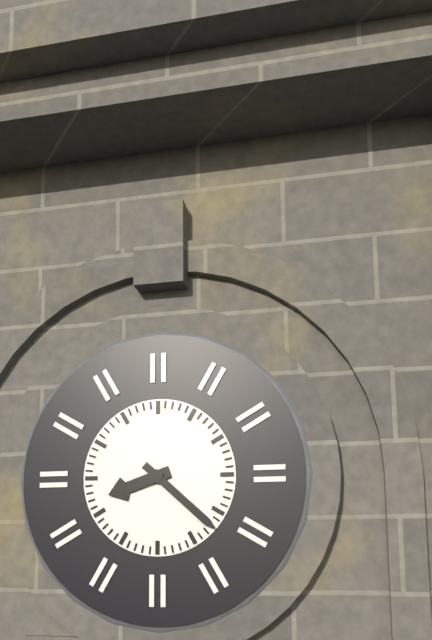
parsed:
8:22
